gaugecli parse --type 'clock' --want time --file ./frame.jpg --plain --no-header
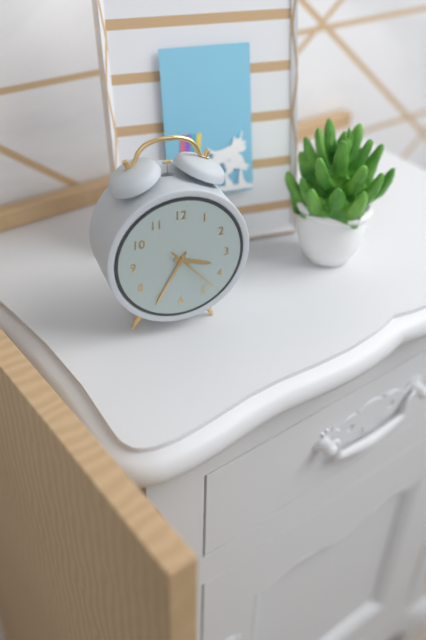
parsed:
3:35:23
